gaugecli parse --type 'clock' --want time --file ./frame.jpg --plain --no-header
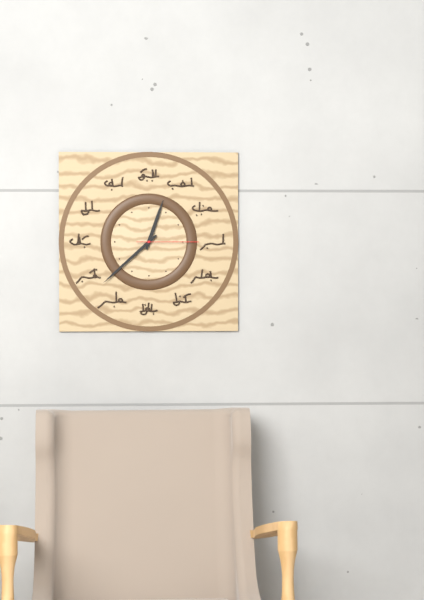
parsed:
12:38:15
